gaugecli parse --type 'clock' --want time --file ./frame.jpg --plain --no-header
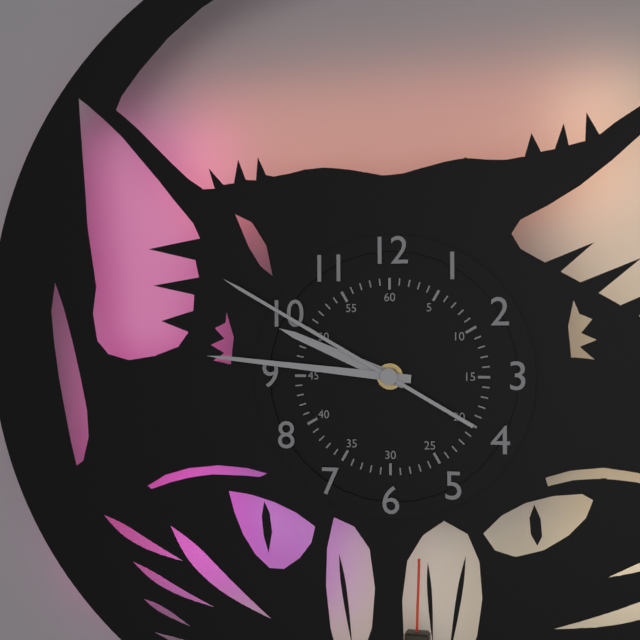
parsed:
9:46:50
